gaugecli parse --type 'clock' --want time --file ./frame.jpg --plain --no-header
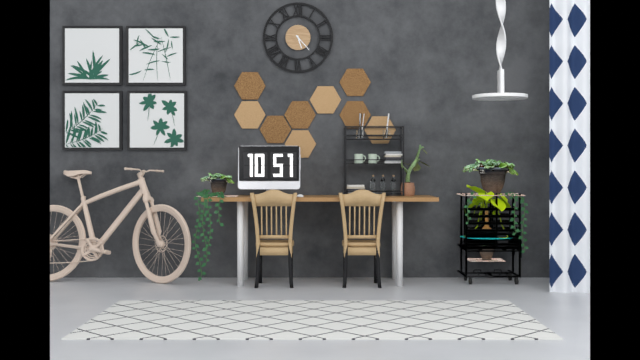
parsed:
5:23
